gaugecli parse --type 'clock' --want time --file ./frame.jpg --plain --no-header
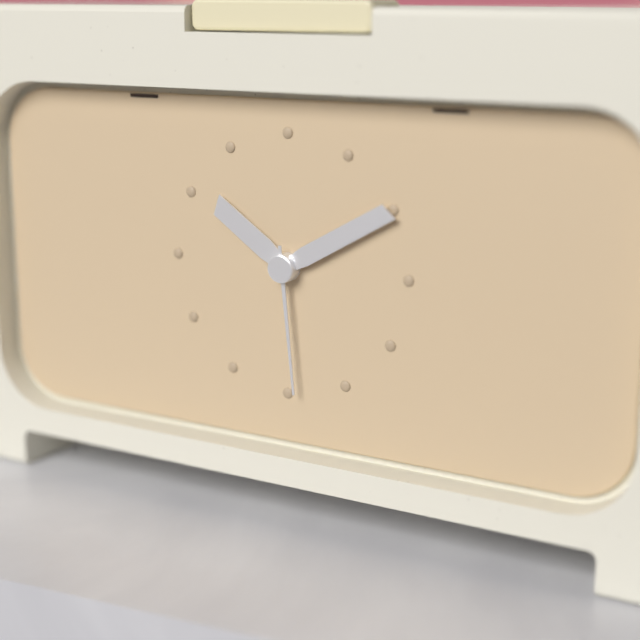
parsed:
10:10:29
